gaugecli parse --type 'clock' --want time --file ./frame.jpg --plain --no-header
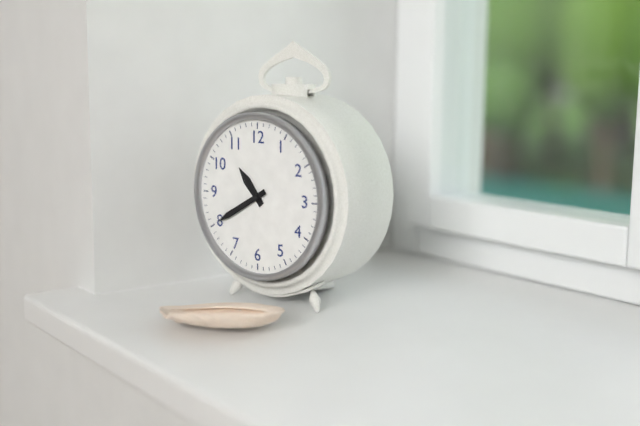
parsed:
10:40
